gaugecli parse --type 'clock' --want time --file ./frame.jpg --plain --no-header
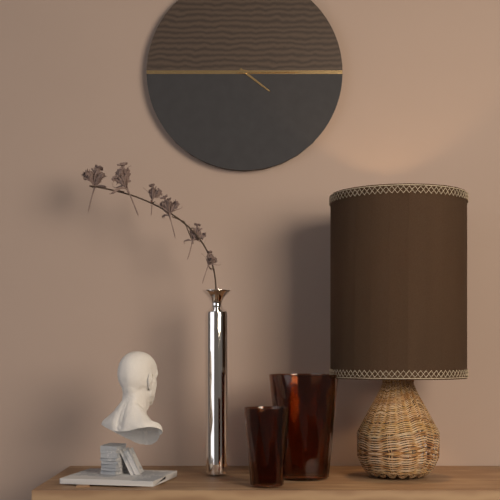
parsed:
4:15
